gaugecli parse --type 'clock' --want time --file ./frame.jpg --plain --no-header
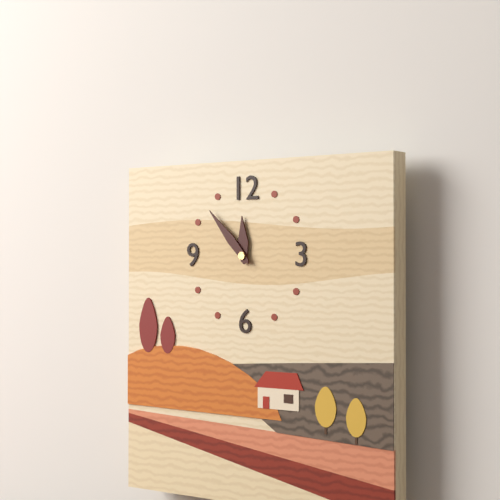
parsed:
11:53
